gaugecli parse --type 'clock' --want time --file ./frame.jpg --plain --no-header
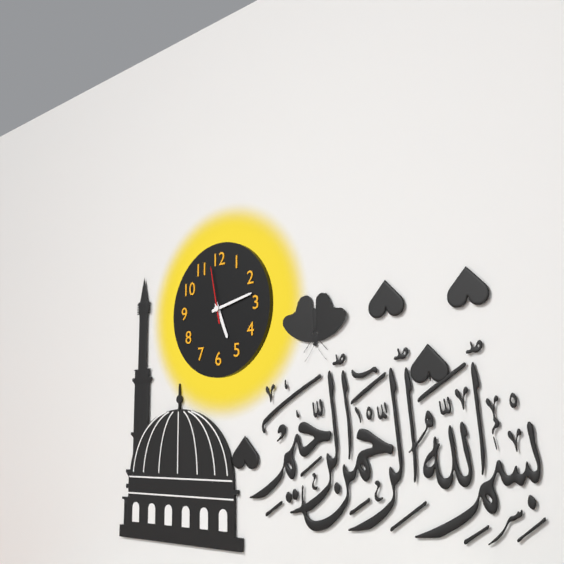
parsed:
5:13:58
